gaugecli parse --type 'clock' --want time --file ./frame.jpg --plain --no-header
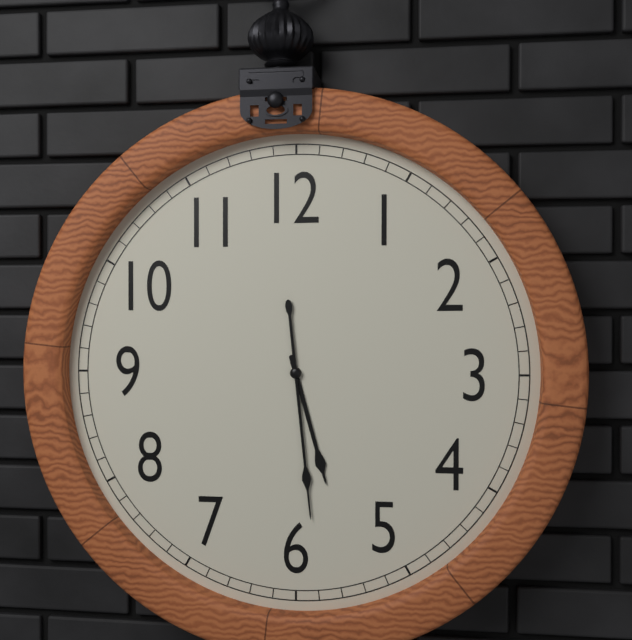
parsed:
5:29
